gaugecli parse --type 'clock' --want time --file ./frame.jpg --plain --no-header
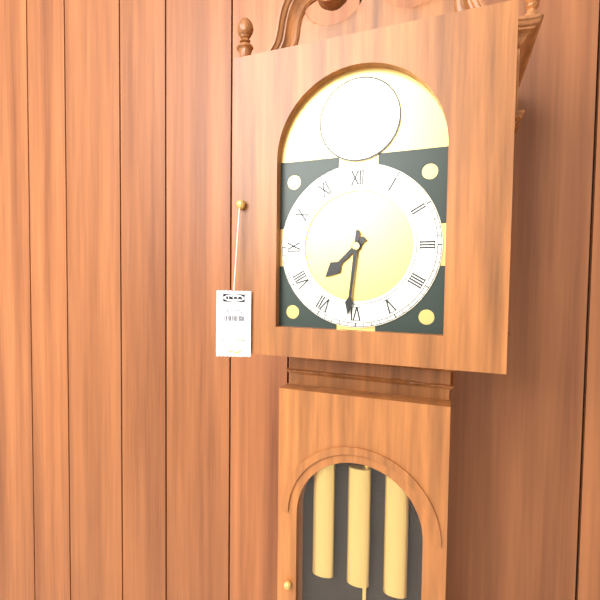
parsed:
7:31
